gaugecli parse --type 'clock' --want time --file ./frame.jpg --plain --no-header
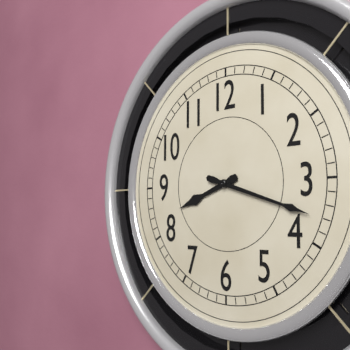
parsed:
8:18
